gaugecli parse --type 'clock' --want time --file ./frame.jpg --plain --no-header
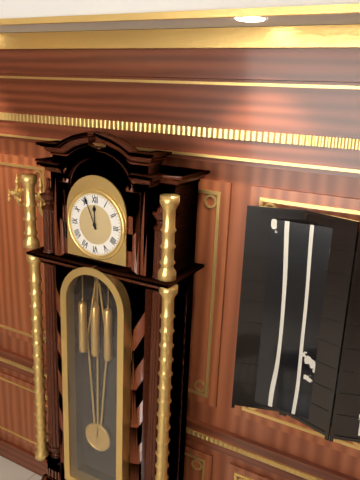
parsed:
11:56
